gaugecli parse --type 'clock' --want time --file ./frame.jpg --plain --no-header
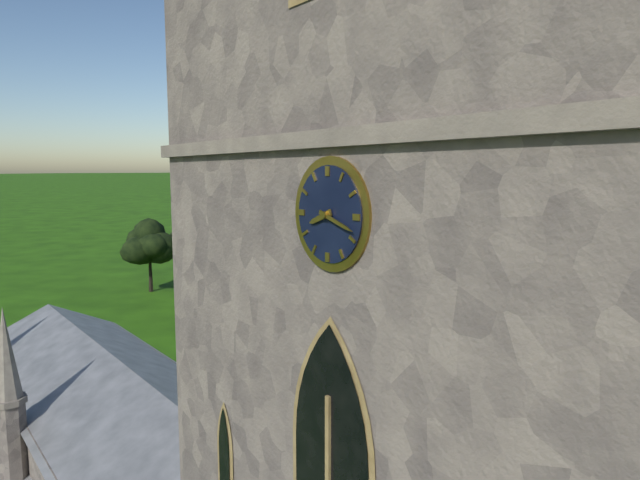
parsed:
8:18
